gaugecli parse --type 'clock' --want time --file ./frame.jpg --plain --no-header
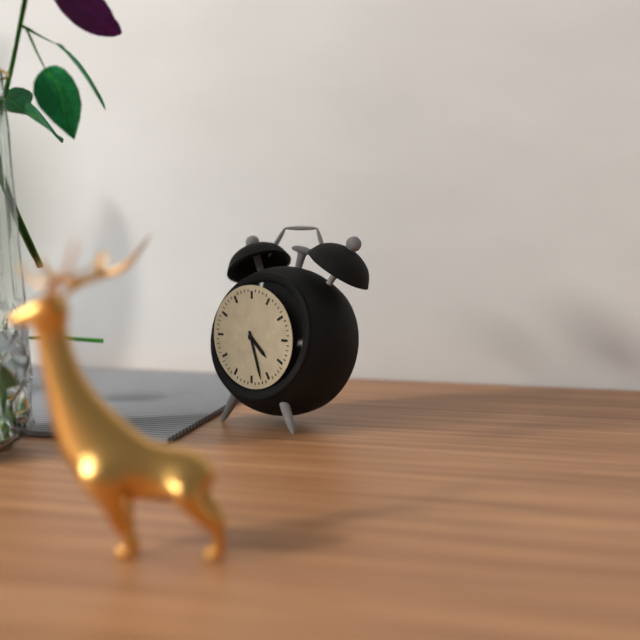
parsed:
4:27
